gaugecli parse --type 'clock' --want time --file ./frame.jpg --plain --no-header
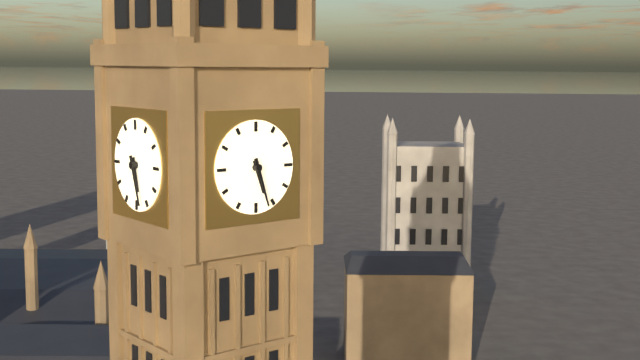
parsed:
5:27
